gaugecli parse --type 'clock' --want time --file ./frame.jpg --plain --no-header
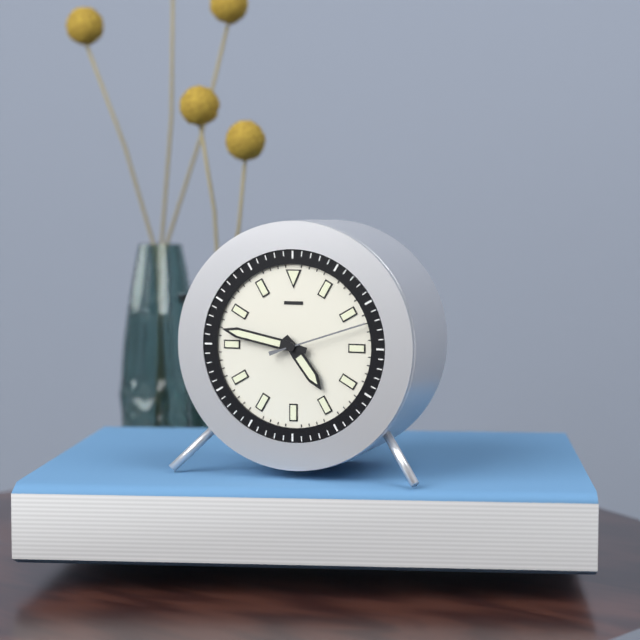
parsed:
4:47:12
